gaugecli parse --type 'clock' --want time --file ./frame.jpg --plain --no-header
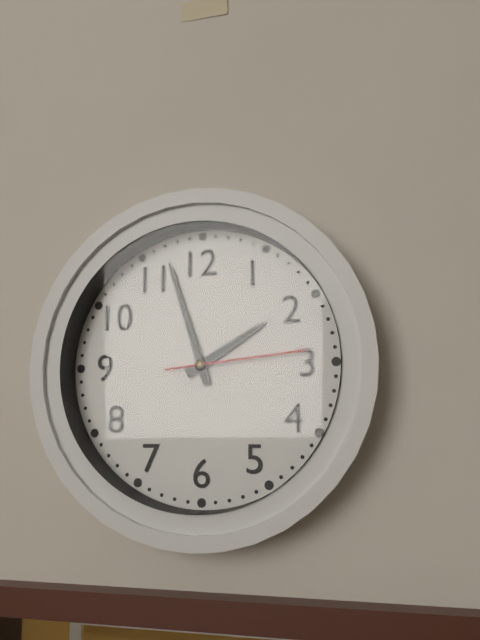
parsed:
1:57:14
